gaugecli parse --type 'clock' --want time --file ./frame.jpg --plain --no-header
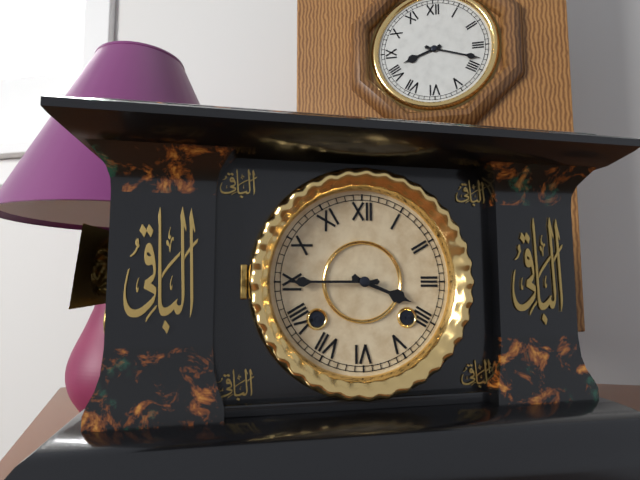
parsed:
3:45
